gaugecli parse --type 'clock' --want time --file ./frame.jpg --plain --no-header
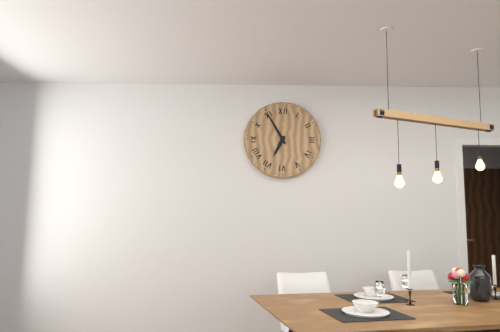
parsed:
6:55
